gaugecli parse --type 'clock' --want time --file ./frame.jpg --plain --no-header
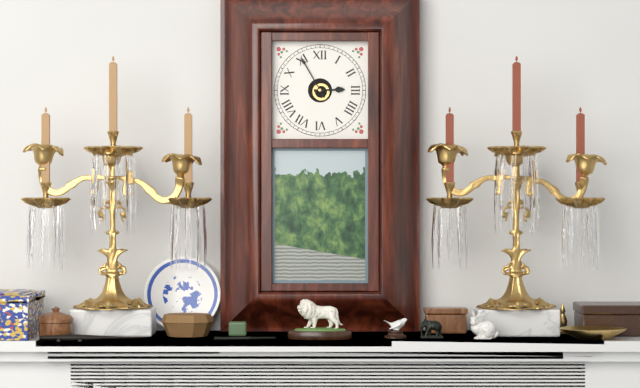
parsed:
2:55
